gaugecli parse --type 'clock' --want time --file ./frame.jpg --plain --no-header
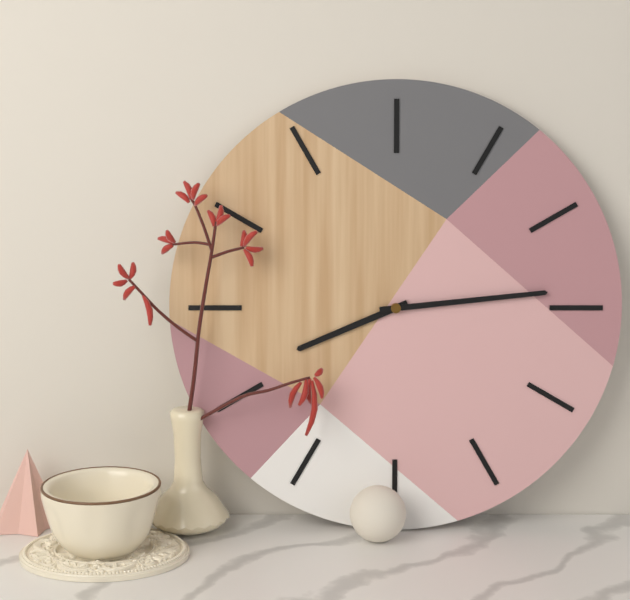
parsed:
8:14
